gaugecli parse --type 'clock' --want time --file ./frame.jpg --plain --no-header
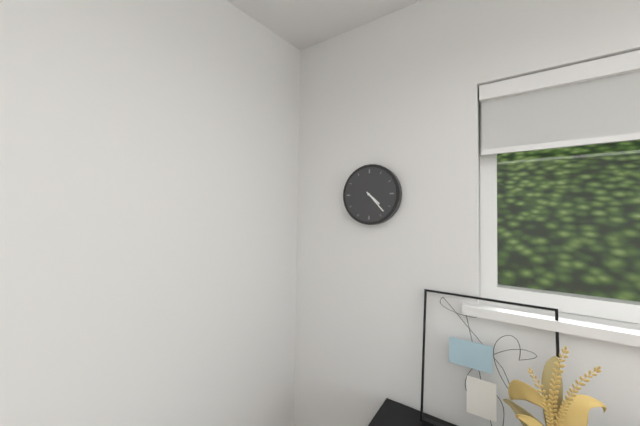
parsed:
4:23
